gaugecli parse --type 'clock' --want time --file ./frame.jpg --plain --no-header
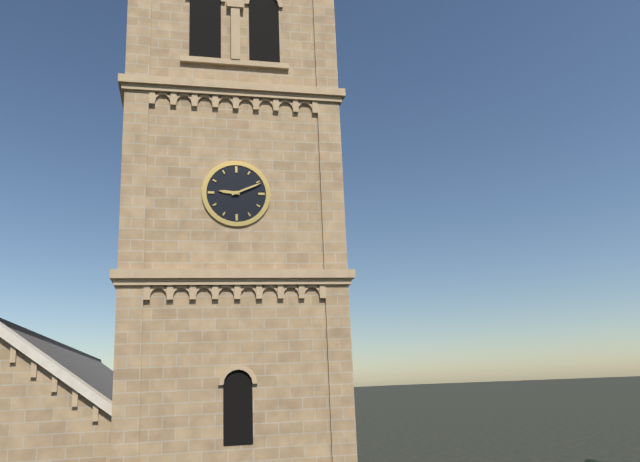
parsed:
9:11
